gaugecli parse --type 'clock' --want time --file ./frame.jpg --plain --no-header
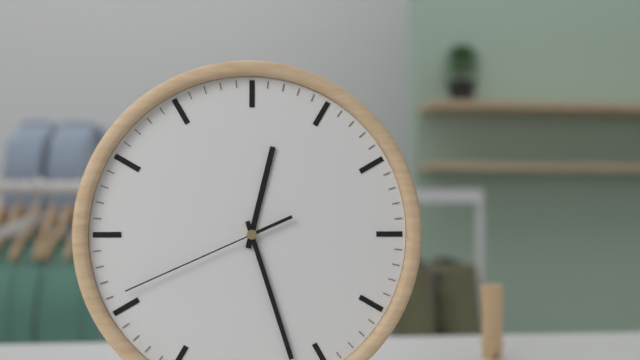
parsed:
12:27:41
